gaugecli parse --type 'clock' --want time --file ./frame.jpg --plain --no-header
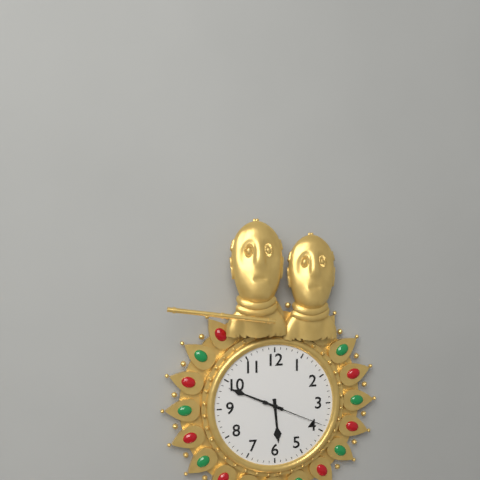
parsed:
5:49:19
